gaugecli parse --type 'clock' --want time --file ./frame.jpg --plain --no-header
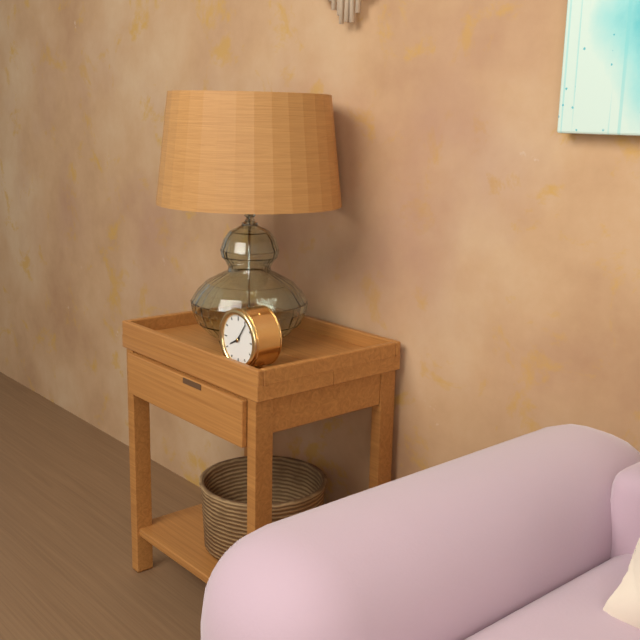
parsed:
8:06
